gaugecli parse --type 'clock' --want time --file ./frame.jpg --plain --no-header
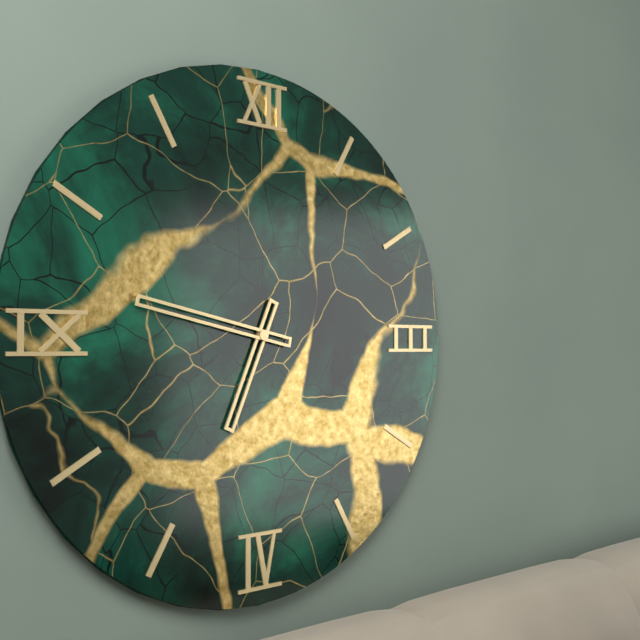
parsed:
6:47
